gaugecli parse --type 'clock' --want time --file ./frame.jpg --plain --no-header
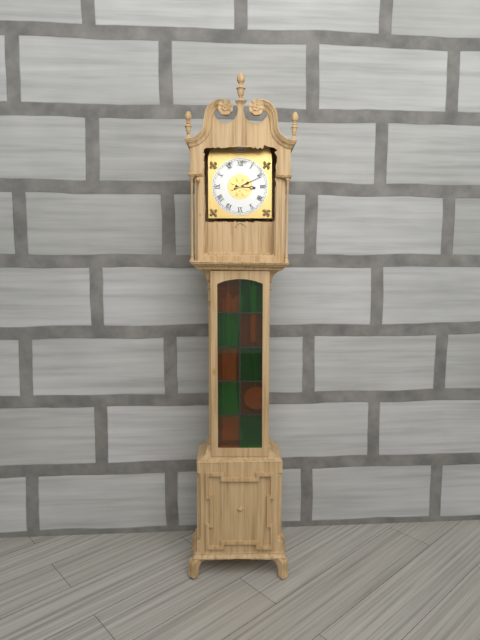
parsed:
3:11
